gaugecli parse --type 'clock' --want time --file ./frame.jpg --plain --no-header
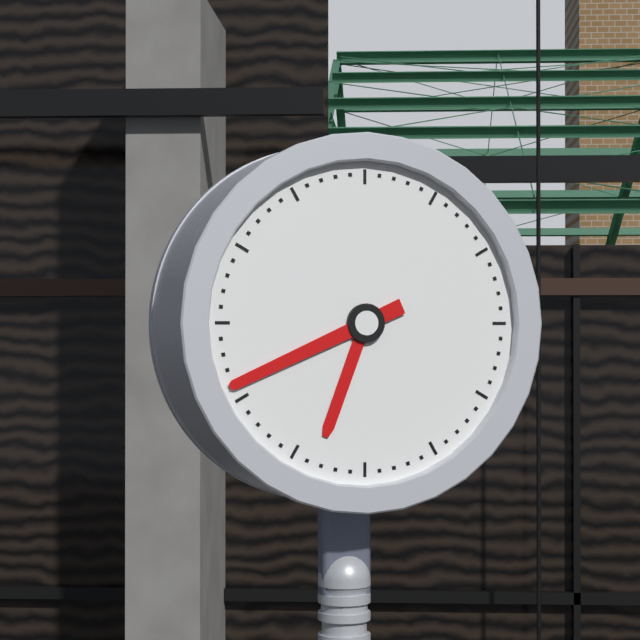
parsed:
6:41
